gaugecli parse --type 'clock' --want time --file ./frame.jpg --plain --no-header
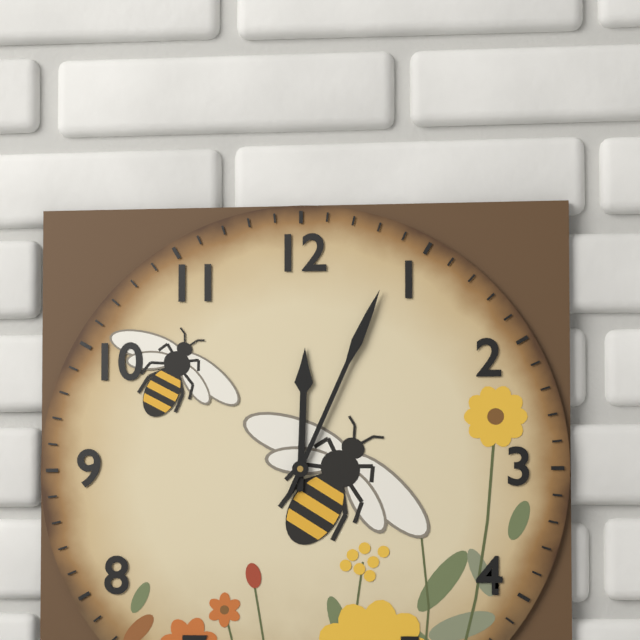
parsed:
12:04
